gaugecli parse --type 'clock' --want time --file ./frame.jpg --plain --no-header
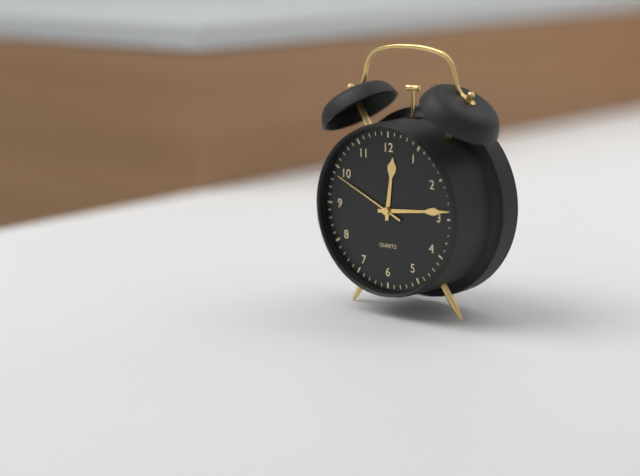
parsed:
12:14:49
